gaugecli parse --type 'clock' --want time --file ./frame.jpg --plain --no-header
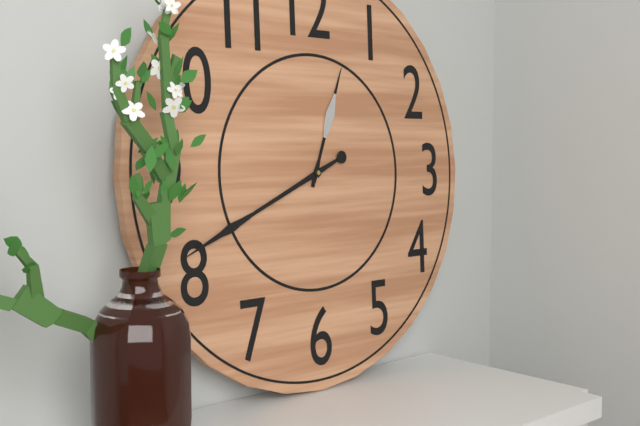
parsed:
12:41
